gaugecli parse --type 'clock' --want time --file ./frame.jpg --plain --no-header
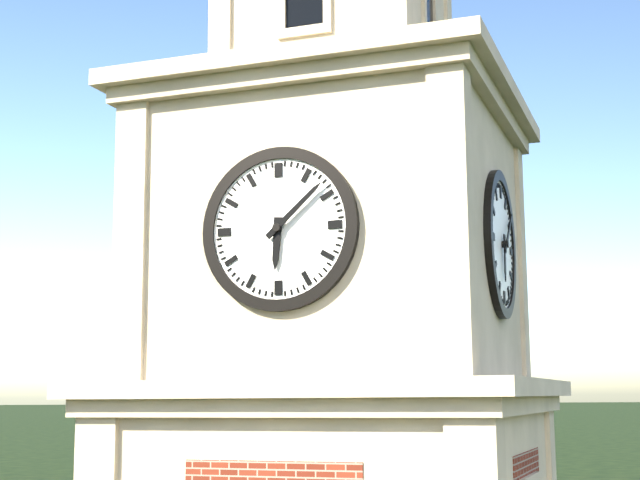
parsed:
6:08
